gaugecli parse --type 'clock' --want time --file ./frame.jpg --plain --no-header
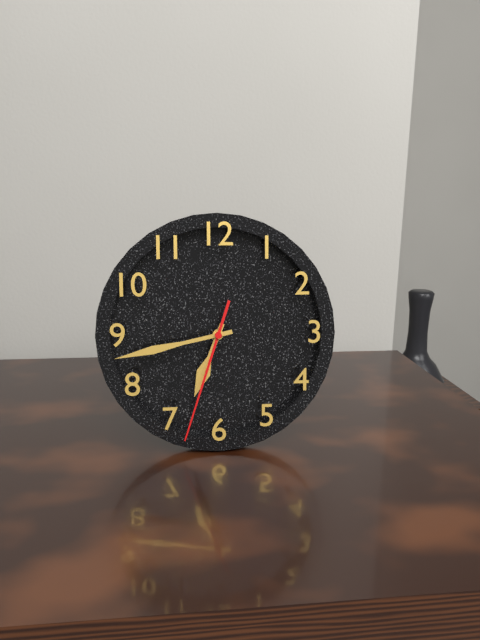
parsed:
6:43:33
